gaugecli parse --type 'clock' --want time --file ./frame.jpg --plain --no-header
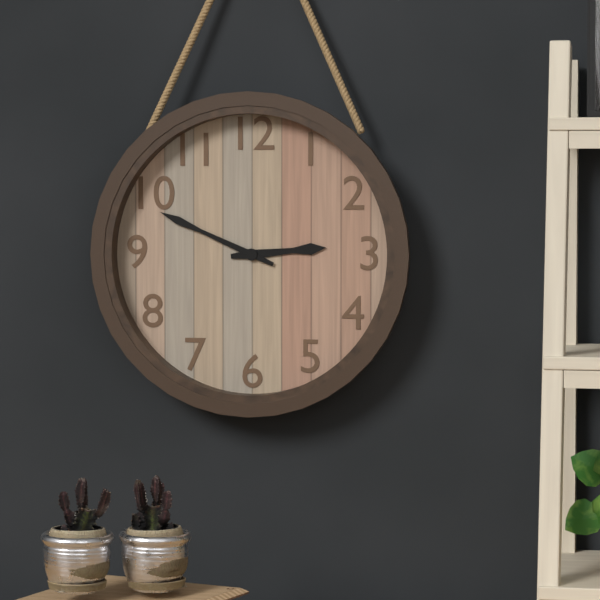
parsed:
2:49
